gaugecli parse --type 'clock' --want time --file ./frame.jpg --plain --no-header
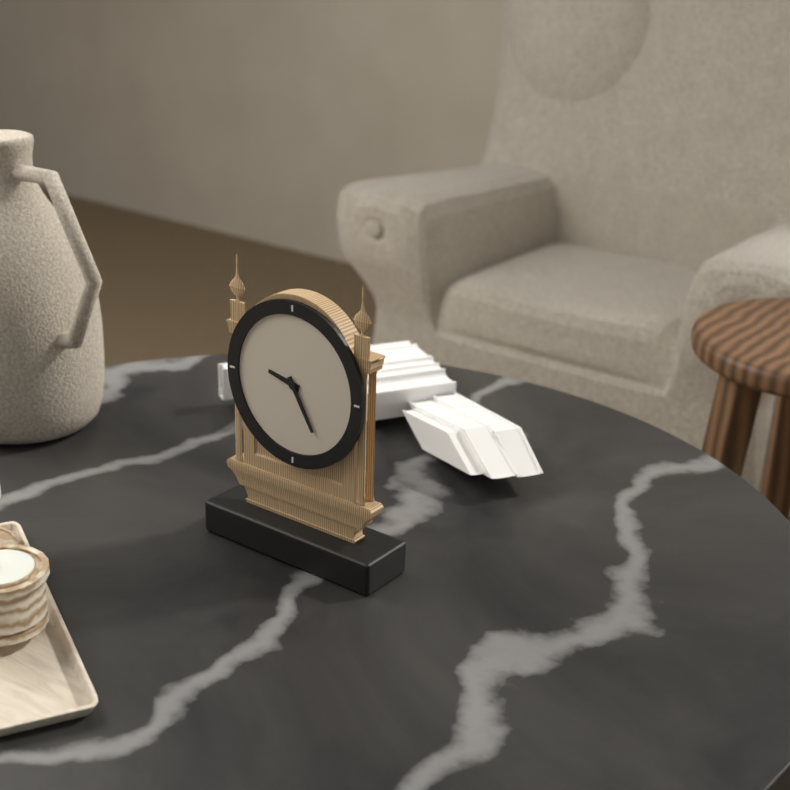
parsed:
9:25
